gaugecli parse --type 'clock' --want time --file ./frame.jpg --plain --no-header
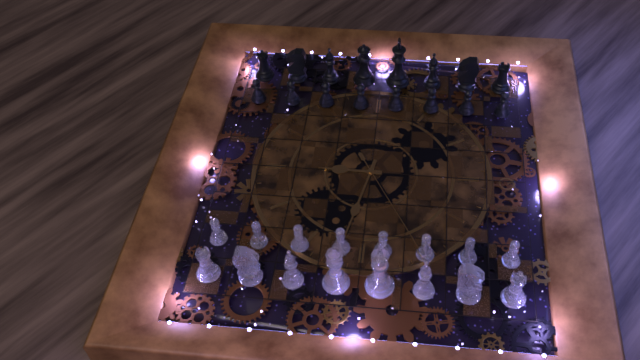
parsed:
3:02:55
